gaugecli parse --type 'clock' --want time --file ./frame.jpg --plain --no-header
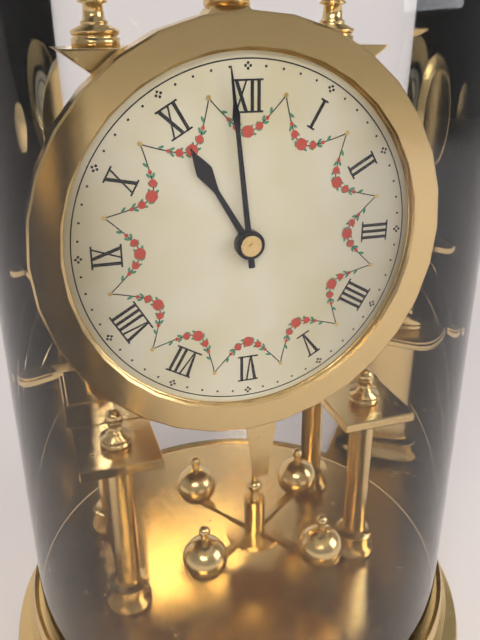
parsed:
10:59
